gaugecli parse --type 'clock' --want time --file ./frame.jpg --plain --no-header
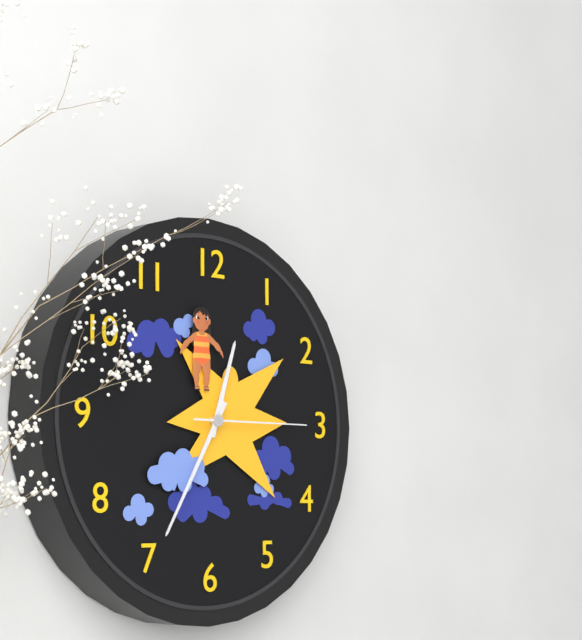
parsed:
12:35:15
